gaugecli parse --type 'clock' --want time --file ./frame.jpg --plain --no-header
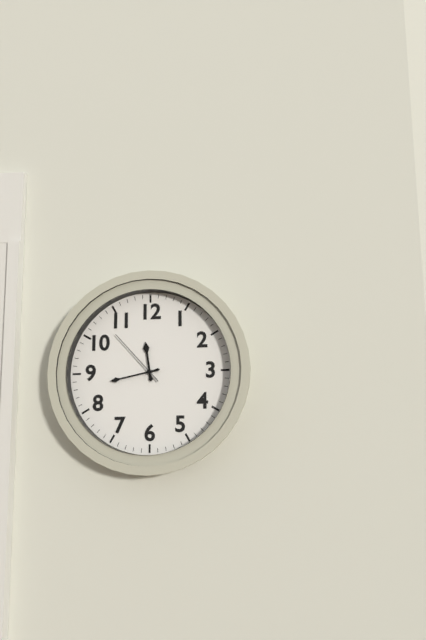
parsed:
11:43:53
